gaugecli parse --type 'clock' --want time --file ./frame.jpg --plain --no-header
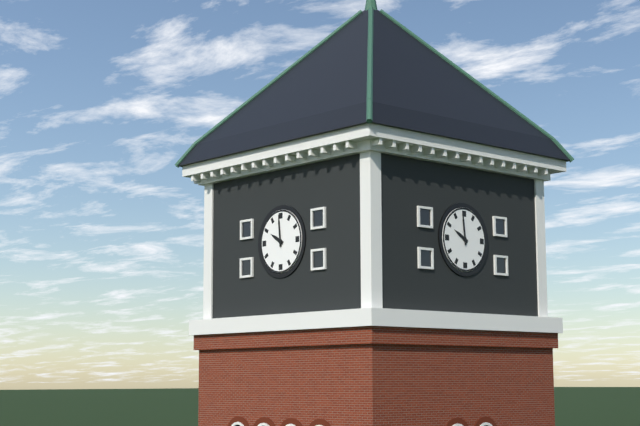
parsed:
9:59
